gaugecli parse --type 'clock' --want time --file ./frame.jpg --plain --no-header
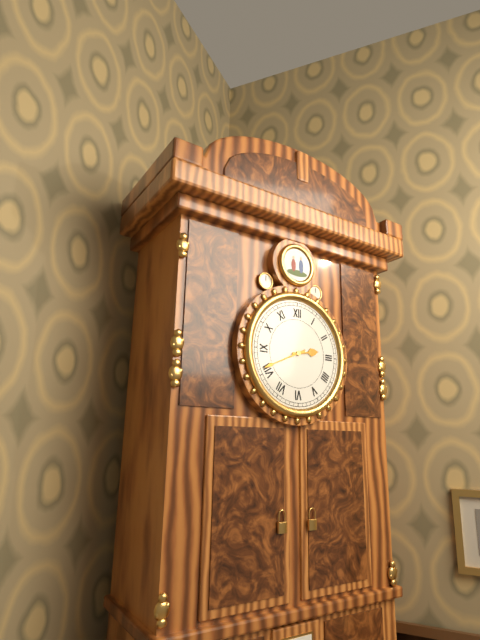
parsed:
2:41
